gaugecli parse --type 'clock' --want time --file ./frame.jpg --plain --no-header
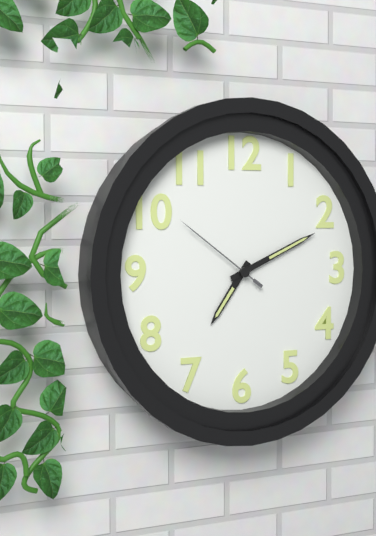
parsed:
7:11:51
